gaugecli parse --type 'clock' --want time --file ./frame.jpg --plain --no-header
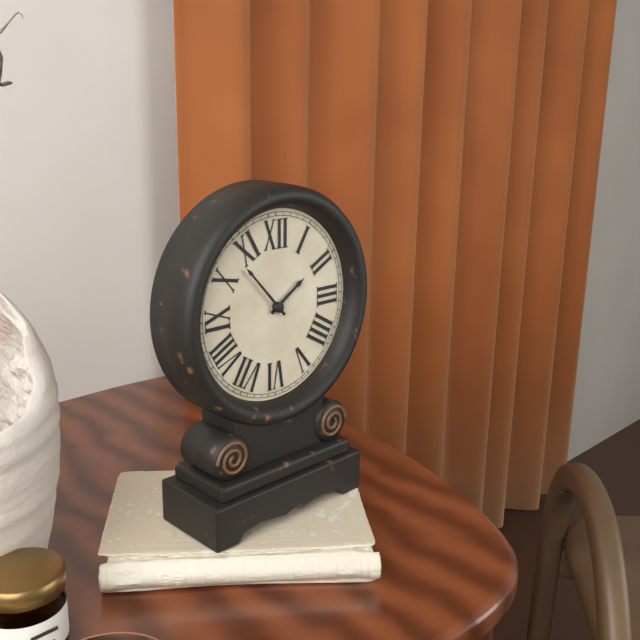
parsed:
1:53
